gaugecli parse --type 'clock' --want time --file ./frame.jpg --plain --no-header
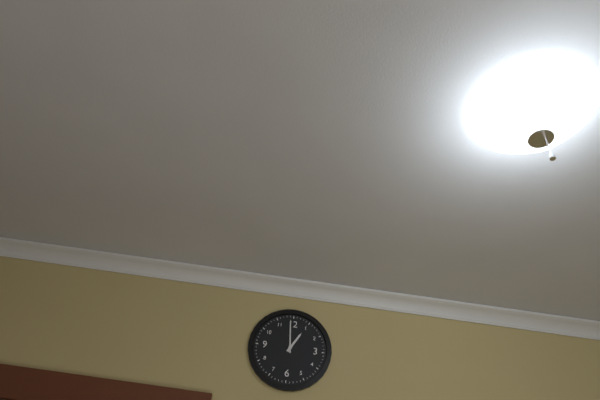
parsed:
12:59
